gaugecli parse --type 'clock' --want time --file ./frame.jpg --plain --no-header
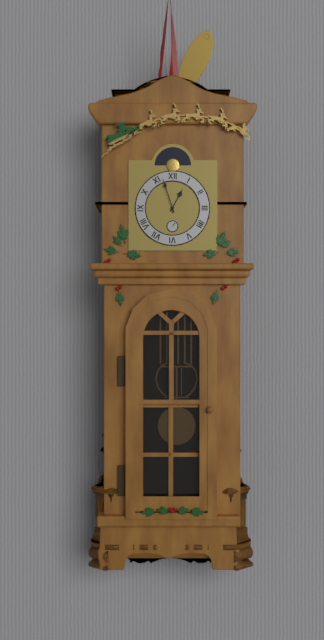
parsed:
12:57
